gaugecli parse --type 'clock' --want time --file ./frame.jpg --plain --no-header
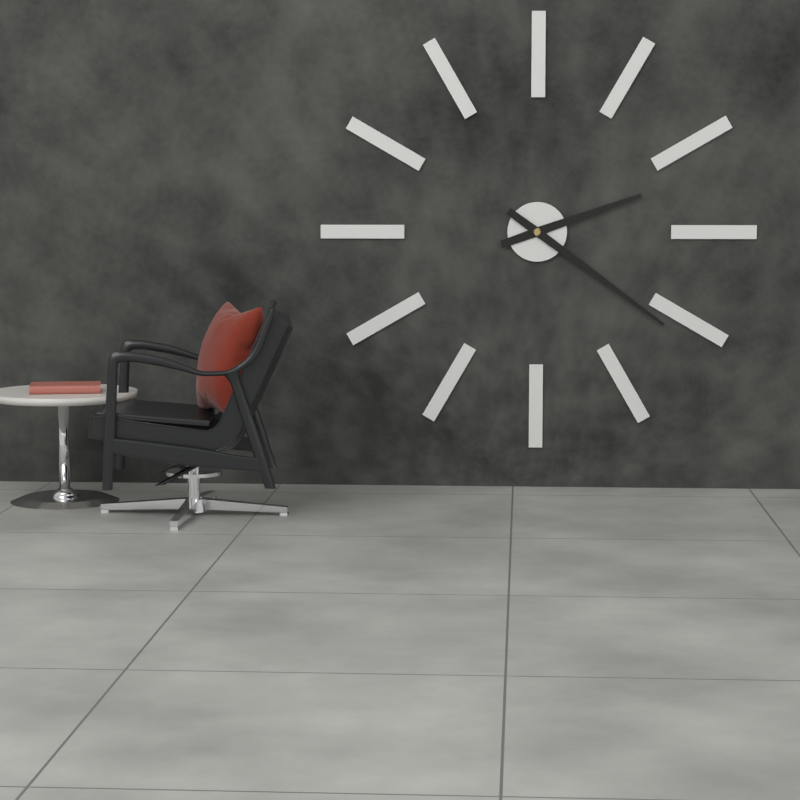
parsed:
2:21
